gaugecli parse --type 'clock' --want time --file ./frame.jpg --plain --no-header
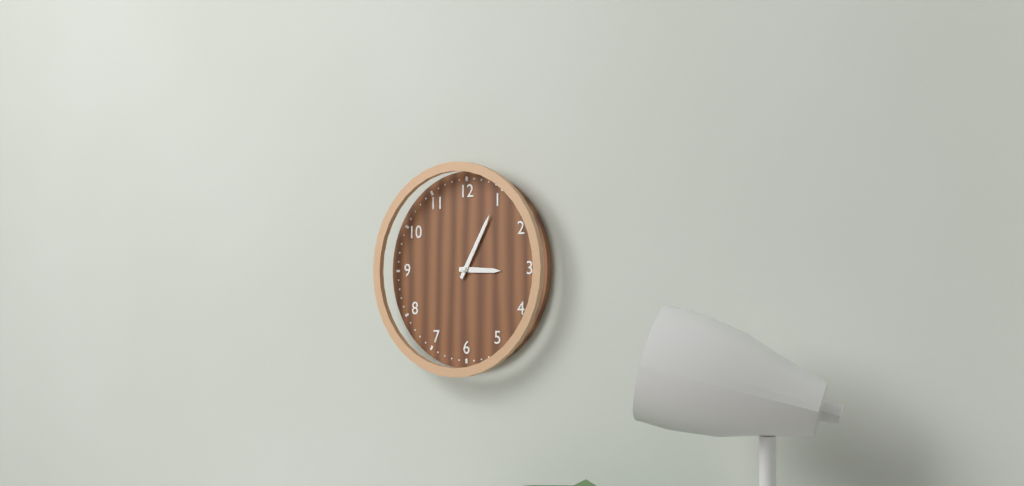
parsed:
3:05
